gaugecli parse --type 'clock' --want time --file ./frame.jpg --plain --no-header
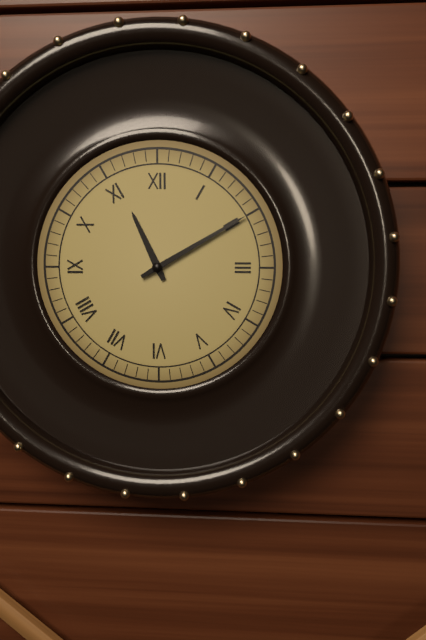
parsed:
11:10
